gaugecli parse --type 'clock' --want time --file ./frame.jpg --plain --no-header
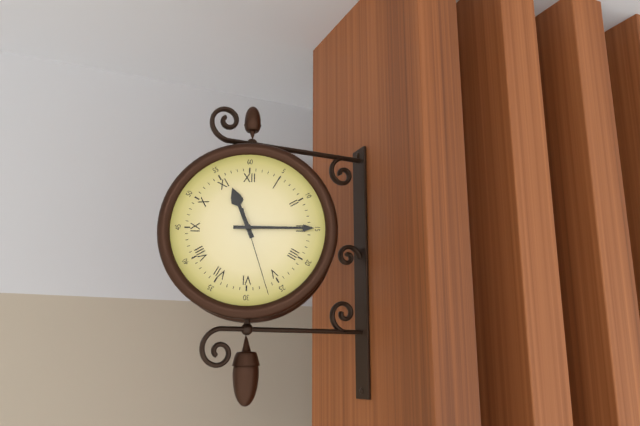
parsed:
11:15:27
